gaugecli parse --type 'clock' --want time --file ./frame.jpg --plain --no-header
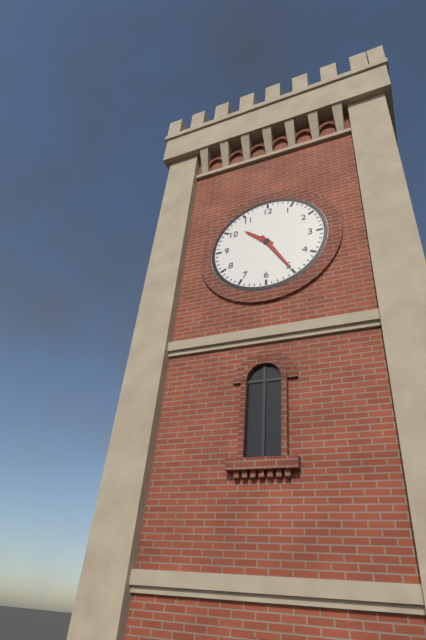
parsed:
10:25
